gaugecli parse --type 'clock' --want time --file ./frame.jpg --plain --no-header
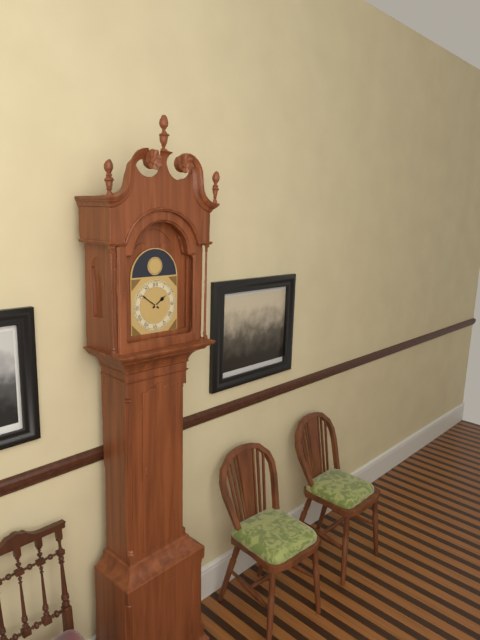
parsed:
1:51
